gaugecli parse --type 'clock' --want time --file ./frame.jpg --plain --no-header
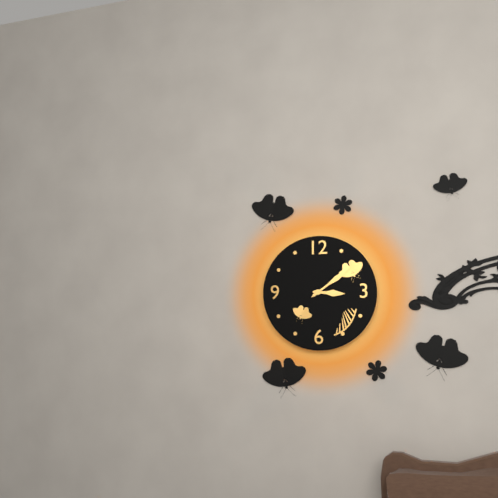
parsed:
3:09
